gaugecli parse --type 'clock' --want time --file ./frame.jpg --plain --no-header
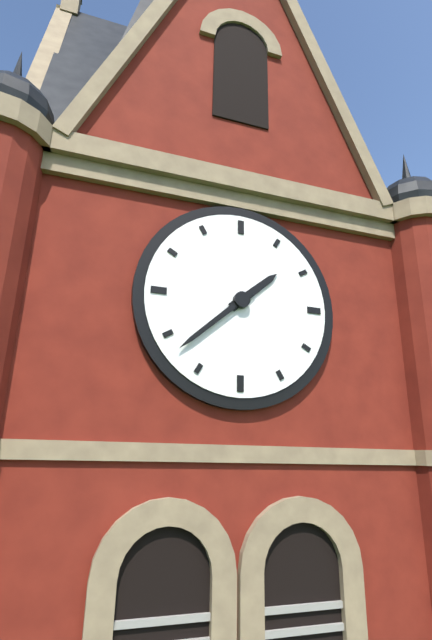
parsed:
1:38
